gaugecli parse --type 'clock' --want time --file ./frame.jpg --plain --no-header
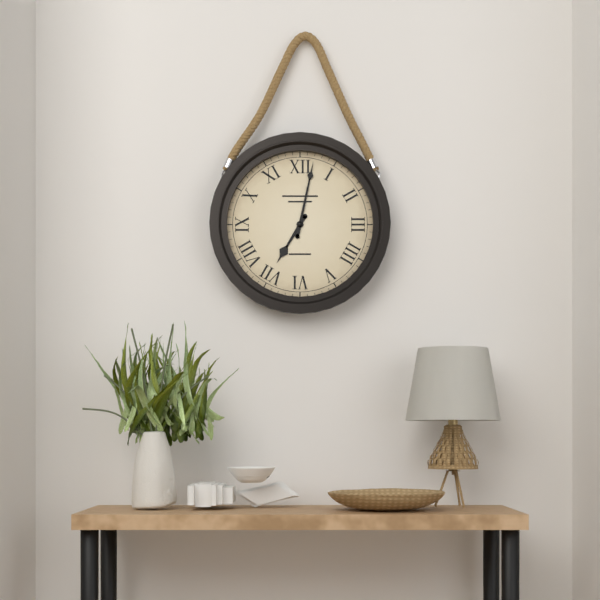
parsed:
7:02
